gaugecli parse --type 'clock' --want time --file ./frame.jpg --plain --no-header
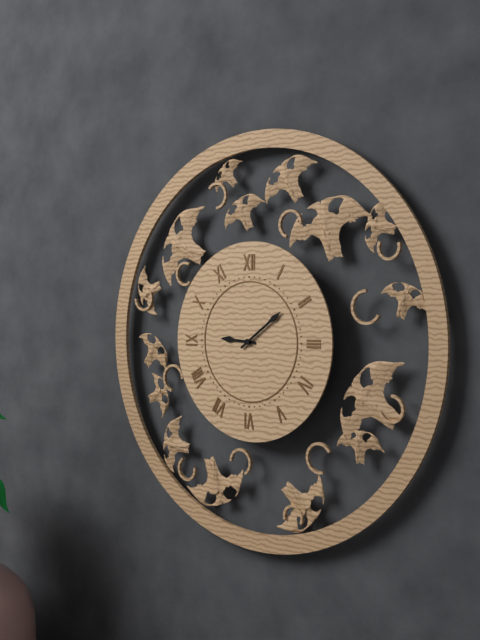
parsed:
9:09
